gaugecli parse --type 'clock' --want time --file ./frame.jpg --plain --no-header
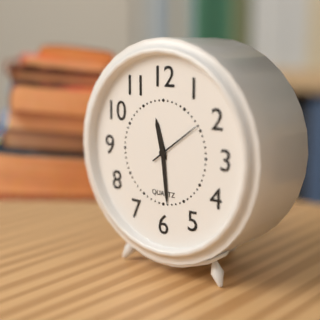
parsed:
11:29:09
